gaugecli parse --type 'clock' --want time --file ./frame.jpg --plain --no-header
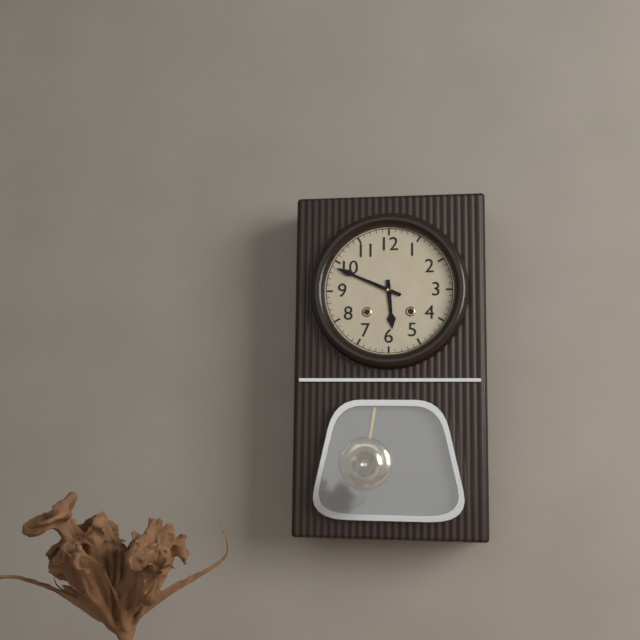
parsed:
5:49
